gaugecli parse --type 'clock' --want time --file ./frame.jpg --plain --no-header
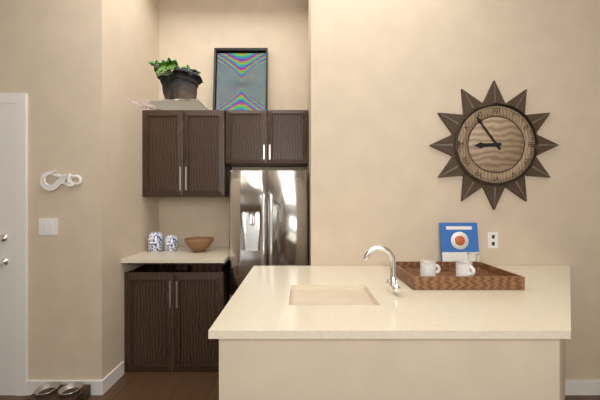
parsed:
8:54
